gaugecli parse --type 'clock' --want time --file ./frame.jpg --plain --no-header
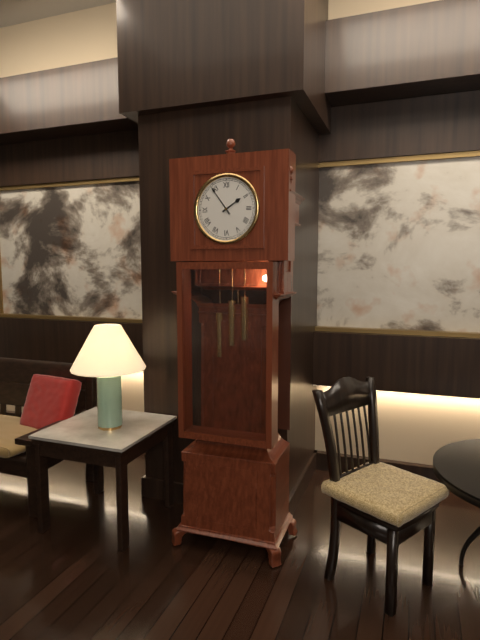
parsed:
1:54
